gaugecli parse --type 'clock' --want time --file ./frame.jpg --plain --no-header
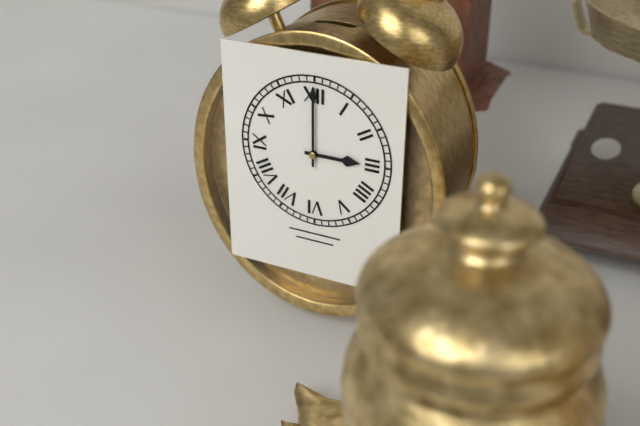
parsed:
3:00
